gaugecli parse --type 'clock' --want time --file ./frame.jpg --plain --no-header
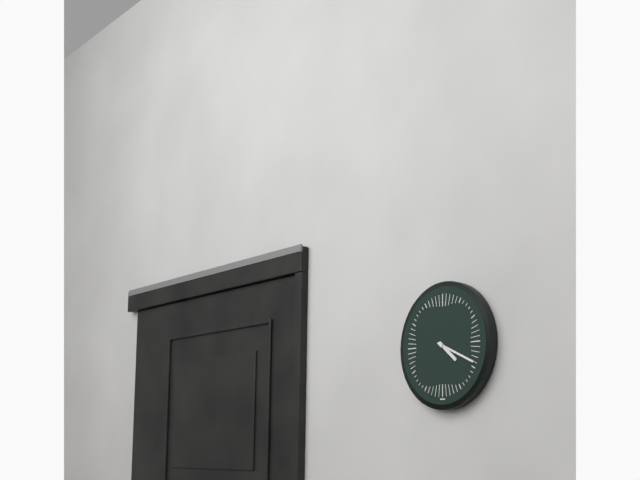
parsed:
4:19
